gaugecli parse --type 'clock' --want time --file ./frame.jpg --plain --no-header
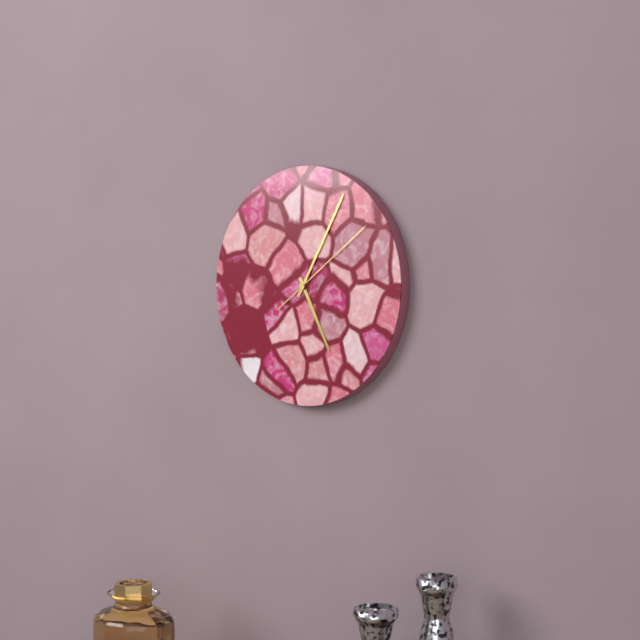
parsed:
5:05:09
